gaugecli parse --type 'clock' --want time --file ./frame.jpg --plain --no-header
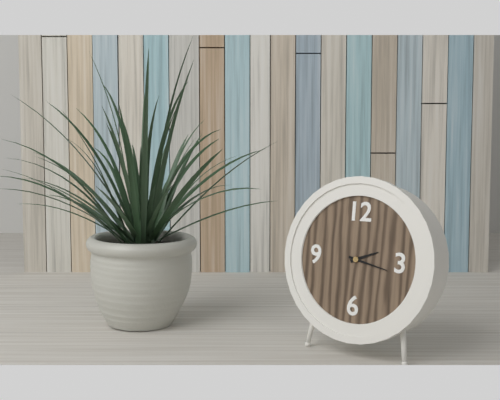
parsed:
2:17
